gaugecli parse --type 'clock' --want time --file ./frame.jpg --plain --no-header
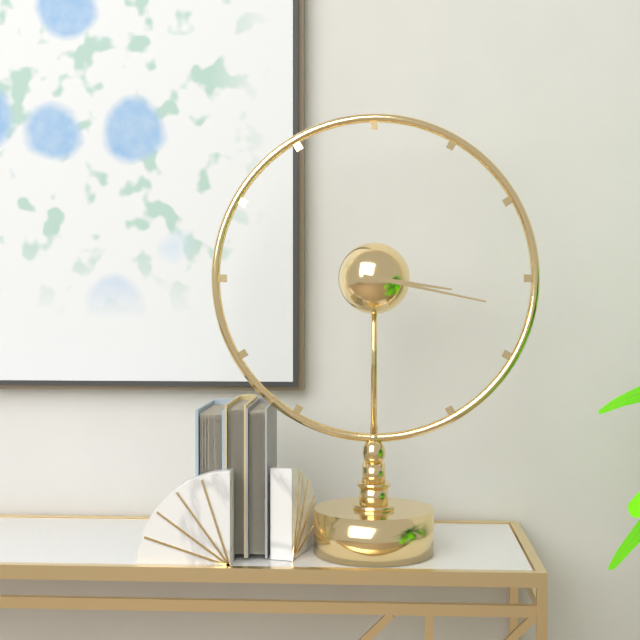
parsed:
3:17
